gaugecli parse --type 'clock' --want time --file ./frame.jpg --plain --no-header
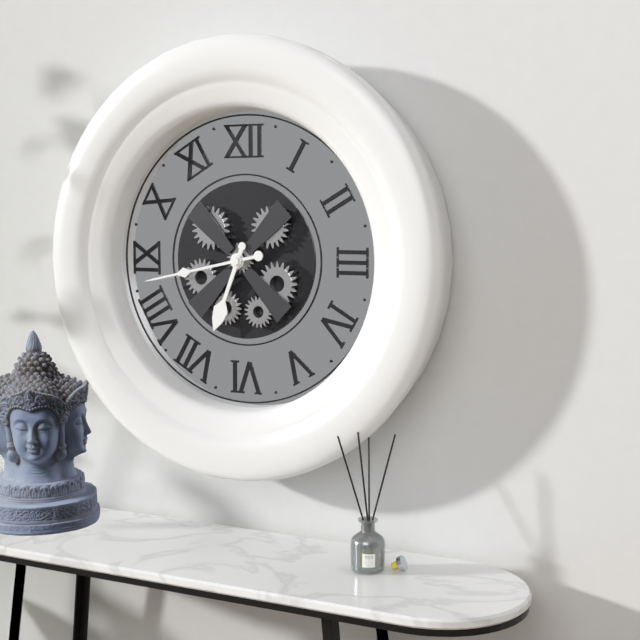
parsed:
6:43
